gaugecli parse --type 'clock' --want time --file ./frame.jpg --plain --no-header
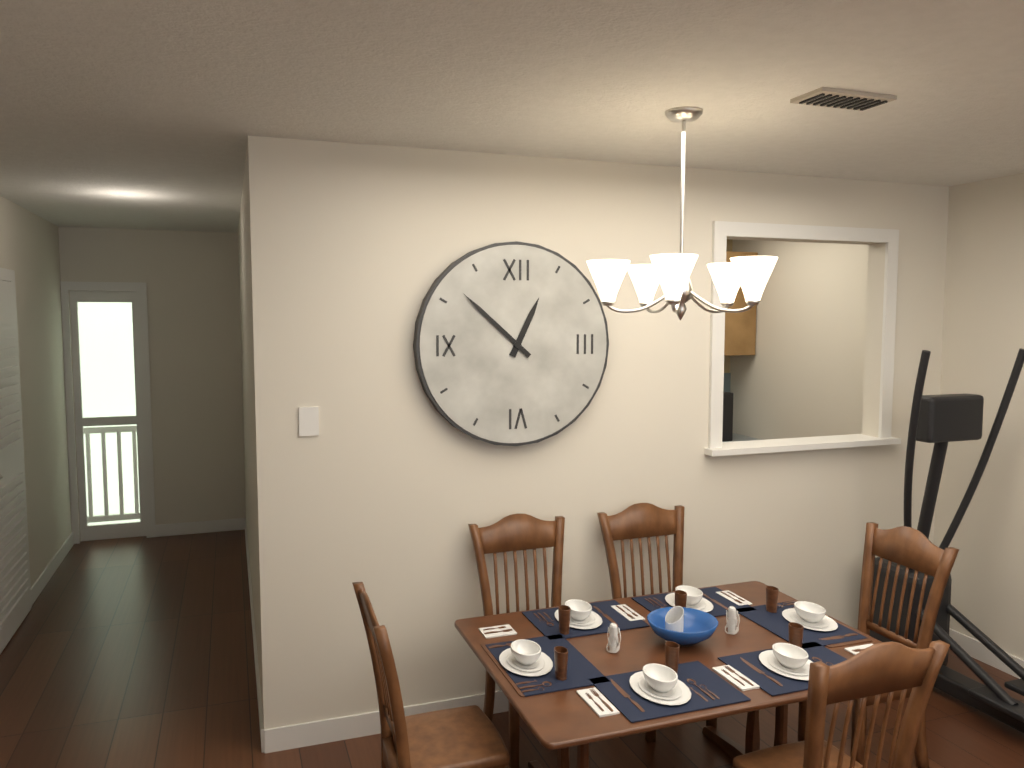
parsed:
12:52
